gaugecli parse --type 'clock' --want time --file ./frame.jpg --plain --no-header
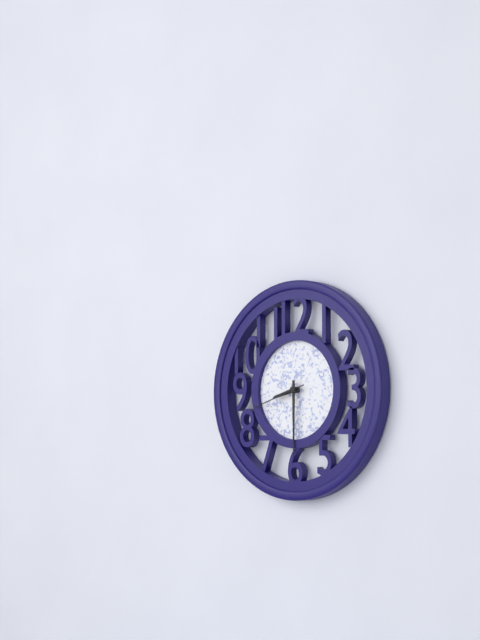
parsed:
8:30:42
